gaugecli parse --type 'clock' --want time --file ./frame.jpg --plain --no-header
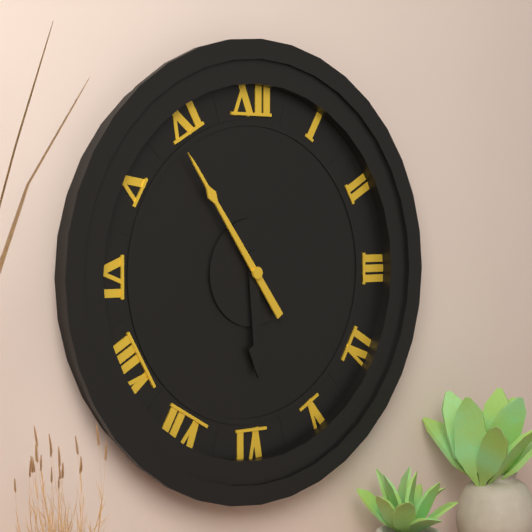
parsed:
5:54
